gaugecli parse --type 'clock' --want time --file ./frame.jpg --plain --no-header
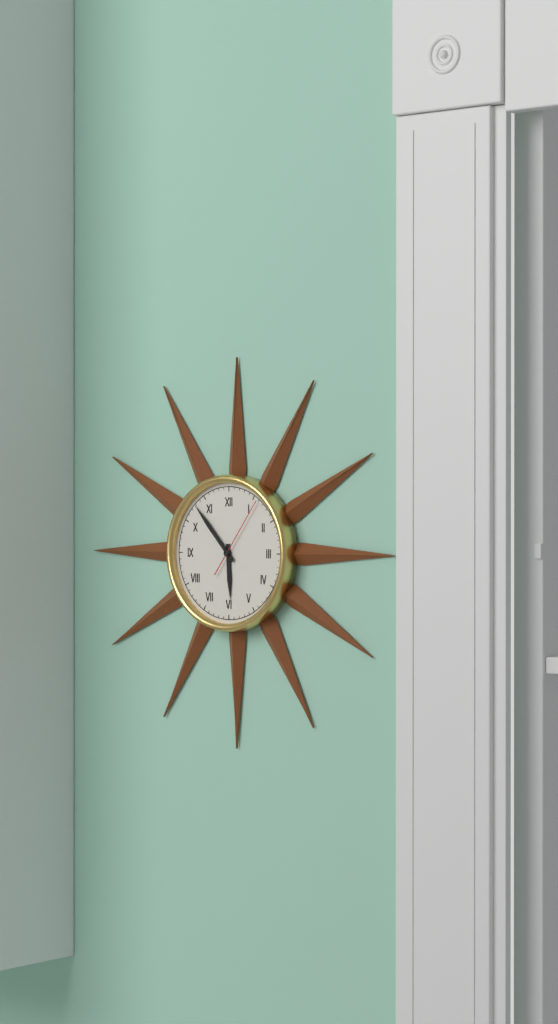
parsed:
5:53:06
